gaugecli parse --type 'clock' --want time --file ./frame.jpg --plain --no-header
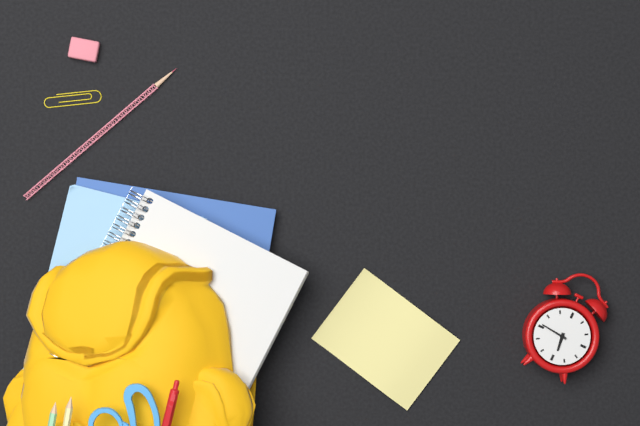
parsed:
5:46
